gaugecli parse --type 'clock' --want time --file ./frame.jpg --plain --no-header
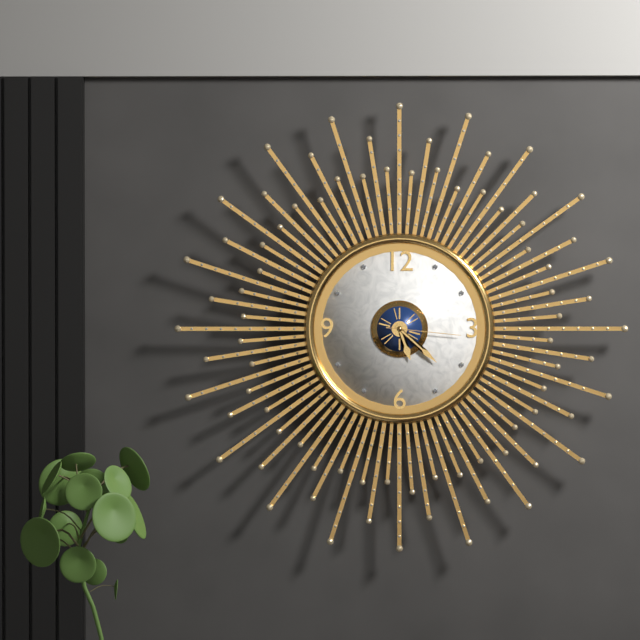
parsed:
5:22:16
